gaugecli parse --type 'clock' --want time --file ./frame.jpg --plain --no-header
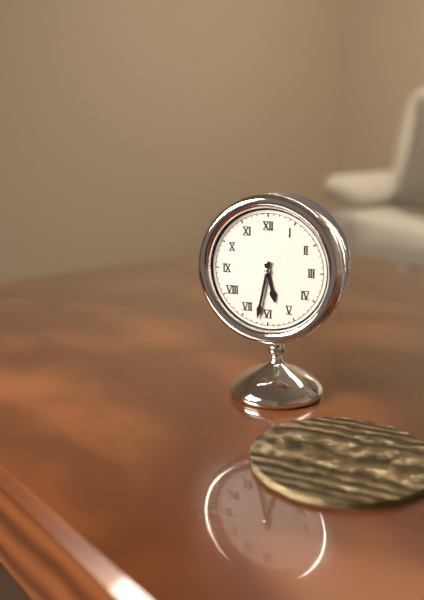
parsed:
5:32
